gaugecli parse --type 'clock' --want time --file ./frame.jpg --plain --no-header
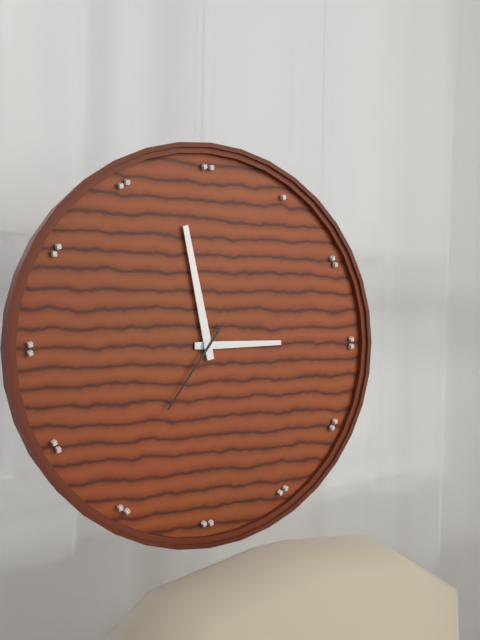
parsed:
2:58:36
